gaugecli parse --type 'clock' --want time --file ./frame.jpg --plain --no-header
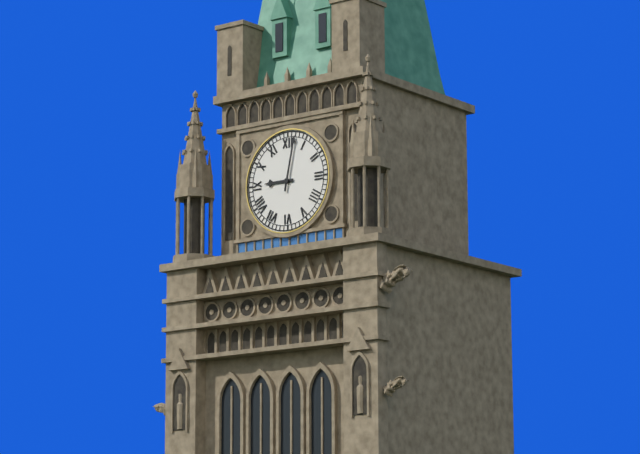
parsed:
9:02
